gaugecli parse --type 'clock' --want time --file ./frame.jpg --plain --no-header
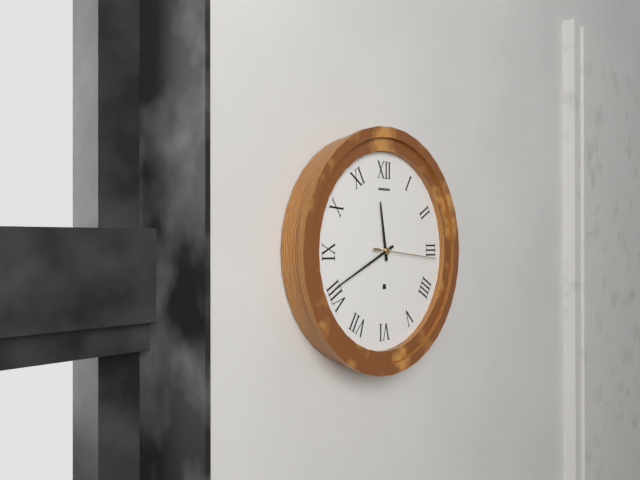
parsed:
11:41:16
